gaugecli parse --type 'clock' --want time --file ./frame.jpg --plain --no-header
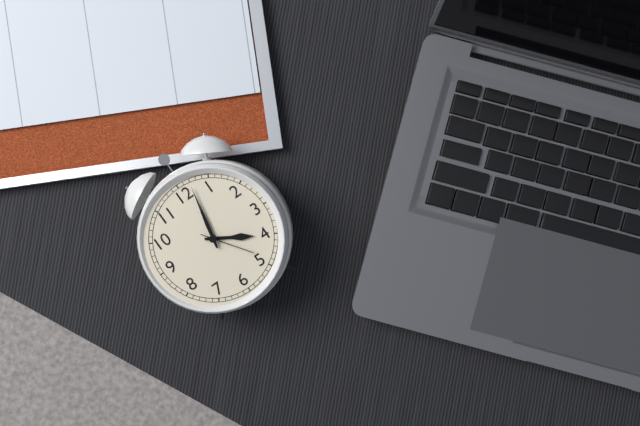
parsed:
4:02:24
